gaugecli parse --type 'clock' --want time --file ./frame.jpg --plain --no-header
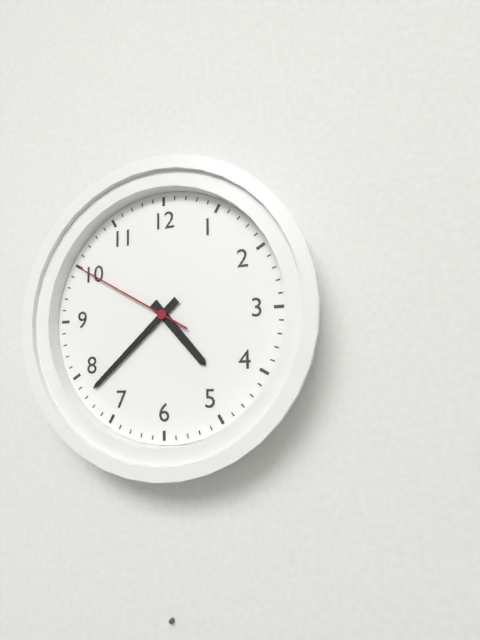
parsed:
4:38:50
